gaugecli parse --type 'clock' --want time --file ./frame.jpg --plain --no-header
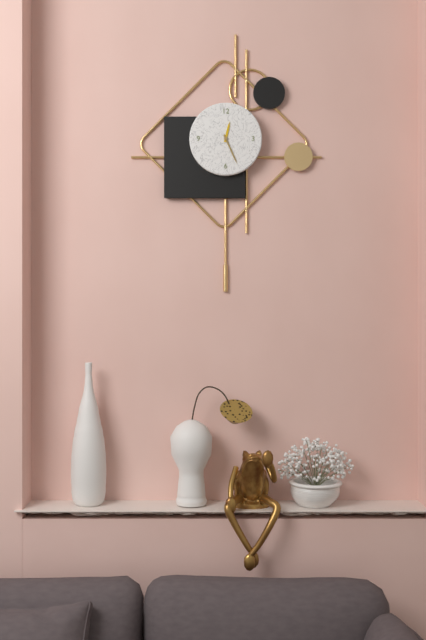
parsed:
12:26
